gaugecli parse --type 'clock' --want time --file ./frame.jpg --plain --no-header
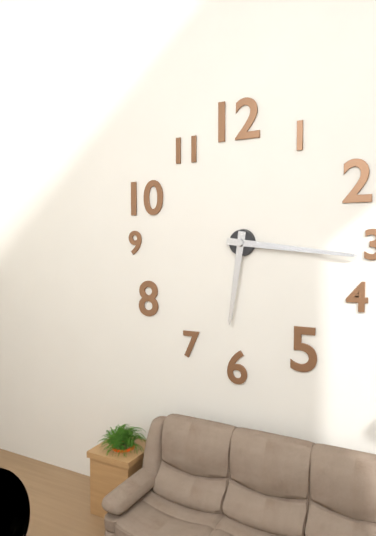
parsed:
6:16
